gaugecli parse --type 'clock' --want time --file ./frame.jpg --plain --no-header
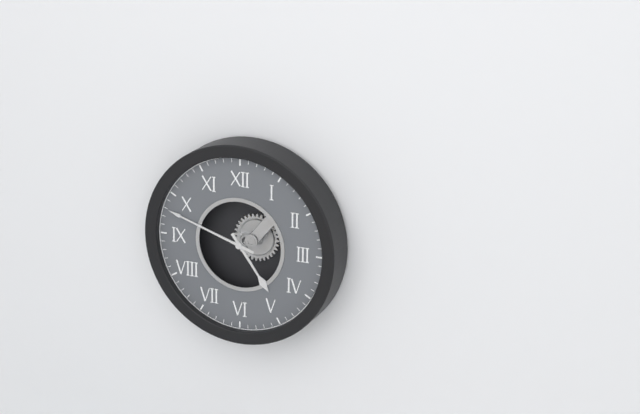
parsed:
4:48
